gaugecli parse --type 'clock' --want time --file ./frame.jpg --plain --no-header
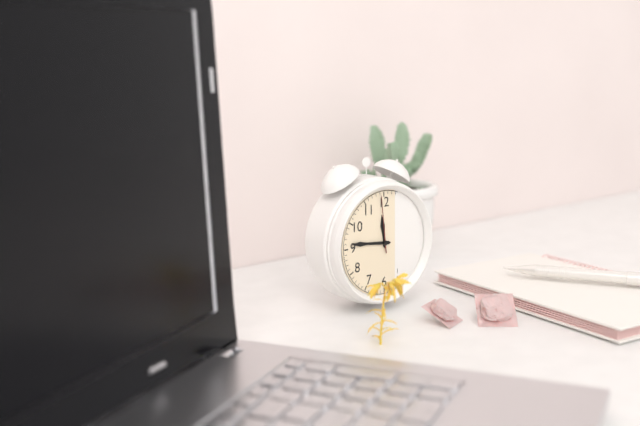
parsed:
11:46:59
